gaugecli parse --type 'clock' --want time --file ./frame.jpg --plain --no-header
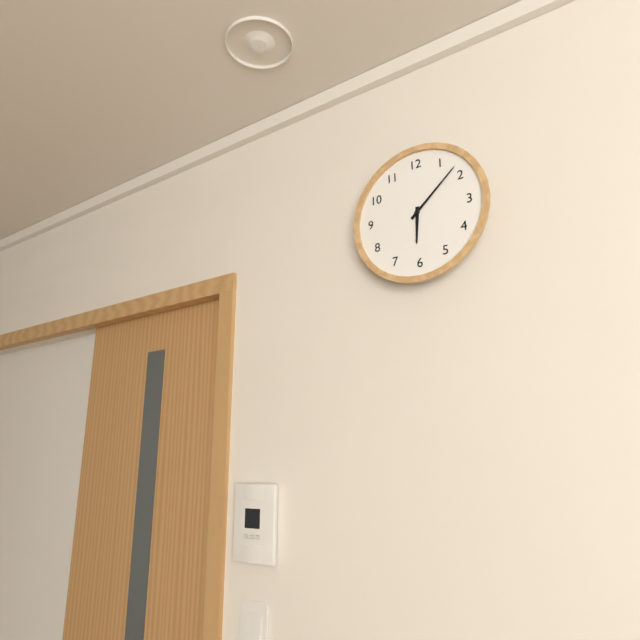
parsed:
6:08
